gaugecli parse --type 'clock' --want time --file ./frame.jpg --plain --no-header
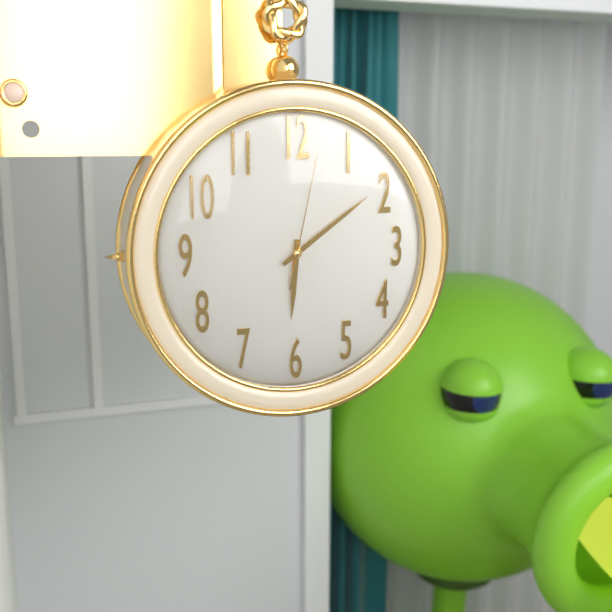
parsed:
6:09:02
